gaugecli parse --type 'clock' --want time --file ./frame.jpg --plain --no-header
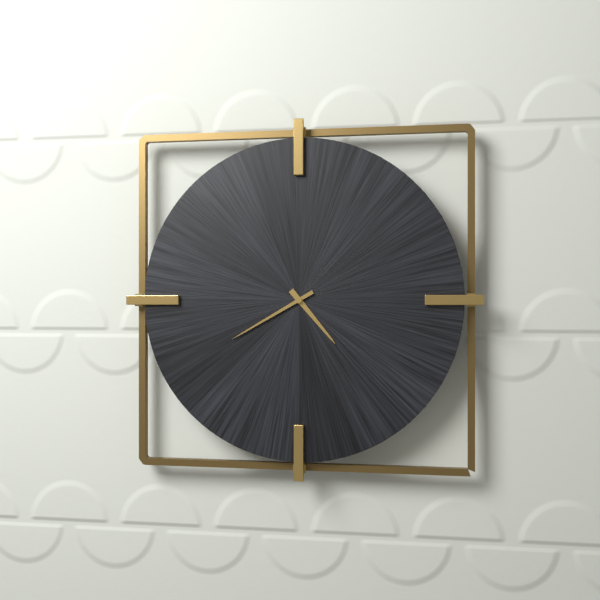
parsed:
4:40
